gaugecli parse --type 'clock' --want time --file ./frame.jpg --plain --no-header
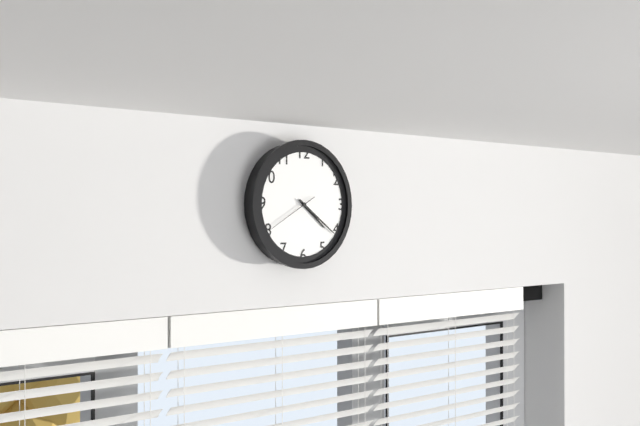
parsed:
4:21:40
